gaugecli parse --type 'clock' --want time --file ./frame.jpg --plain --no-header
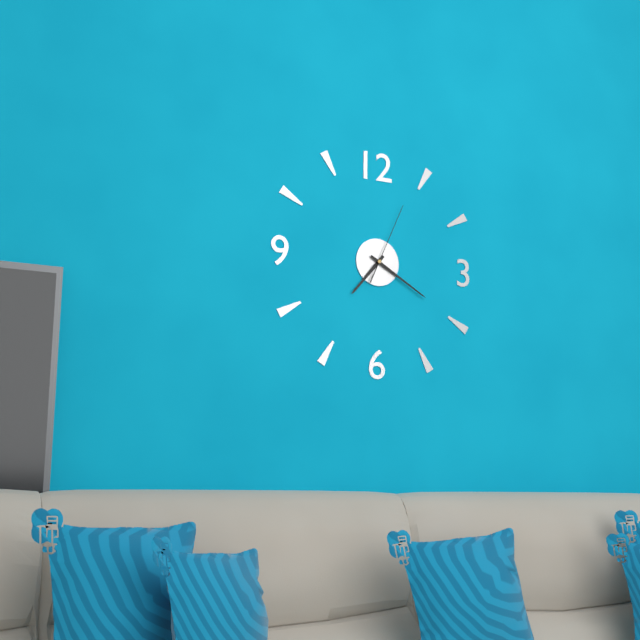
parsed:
7:20:04
